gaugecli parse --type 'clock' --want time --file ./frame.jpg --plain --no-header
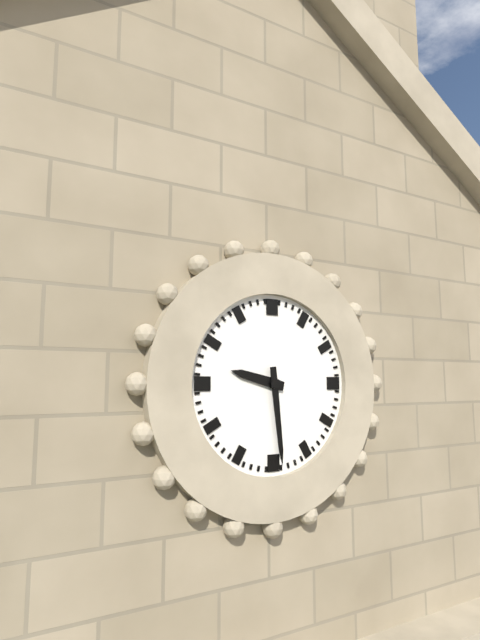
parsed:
9:29
